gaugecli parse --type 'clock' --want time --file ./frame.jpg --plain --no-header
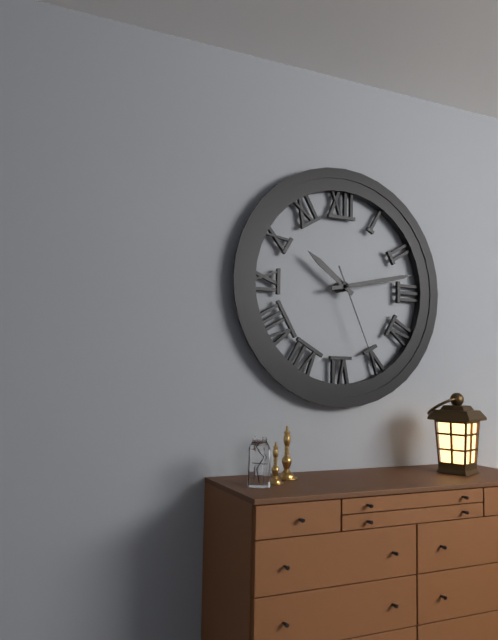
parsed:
10:13:26
